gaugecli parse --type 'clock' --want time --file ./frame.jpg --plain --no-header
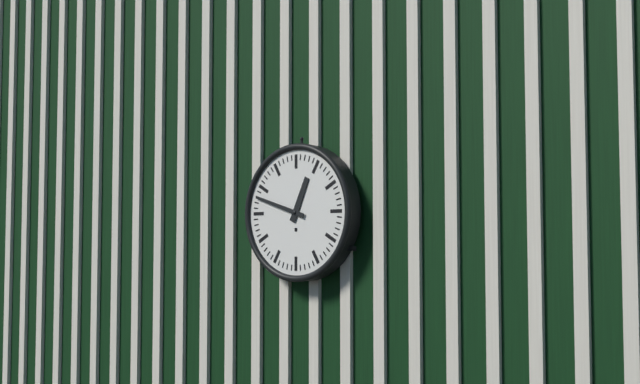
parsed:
12:48
